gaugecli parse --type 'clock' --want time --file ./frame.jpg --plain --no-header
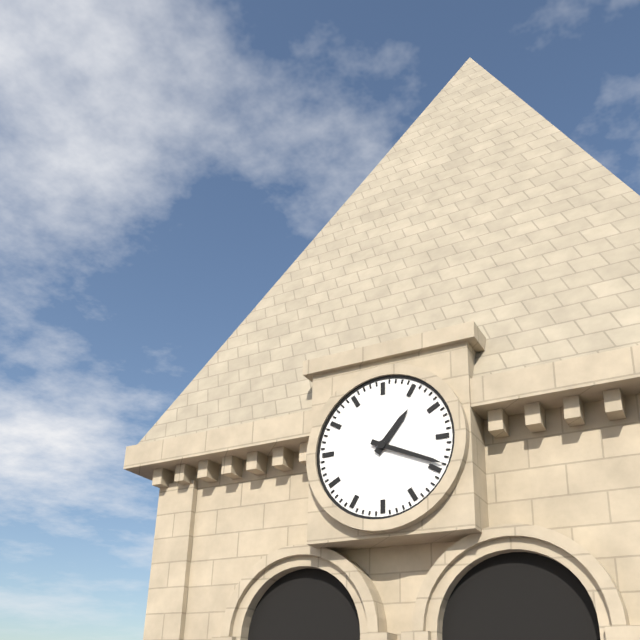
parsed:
1:19
